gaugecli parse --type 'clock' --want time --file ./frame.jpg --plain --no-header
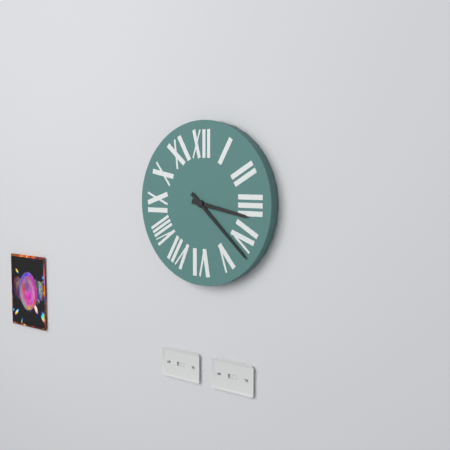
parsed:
3:22
